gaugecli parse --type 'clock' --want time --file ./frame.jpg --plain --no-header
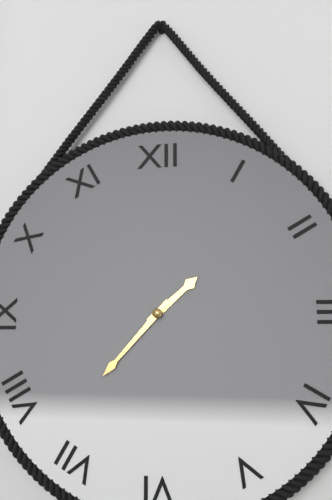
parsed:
1:37
